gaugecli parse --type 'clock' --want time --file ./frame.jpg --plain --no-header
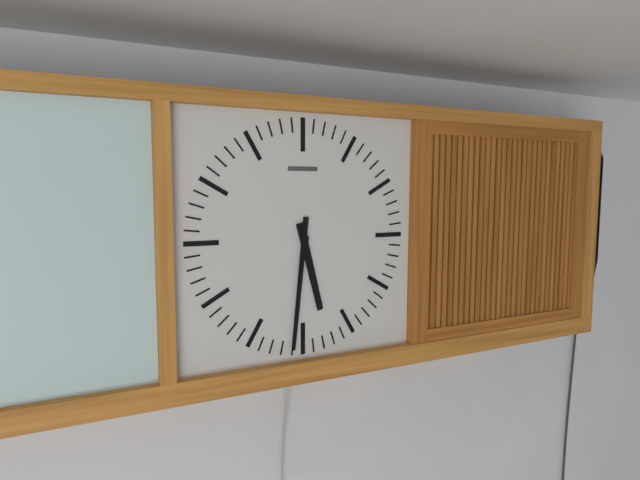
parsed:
5:31
